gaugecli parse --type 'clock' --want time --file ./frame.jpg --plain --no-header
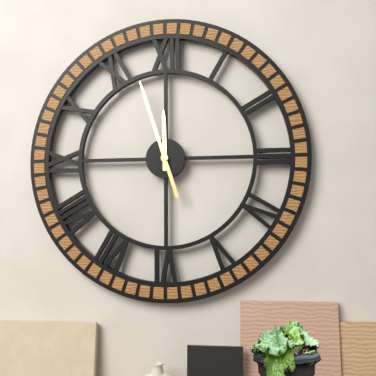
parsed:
11:57
